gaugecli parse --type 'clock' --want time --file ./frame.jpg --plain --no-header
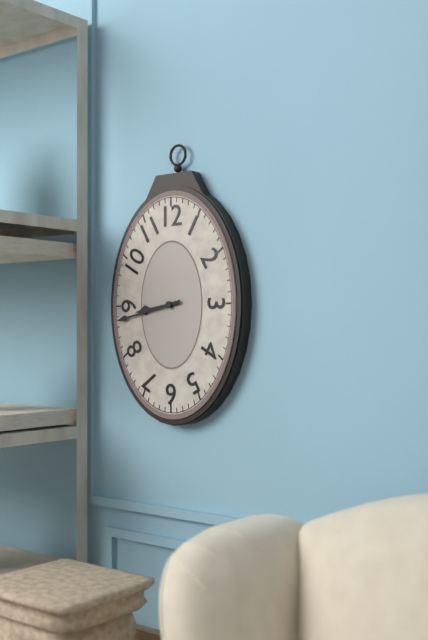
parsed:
8:43
